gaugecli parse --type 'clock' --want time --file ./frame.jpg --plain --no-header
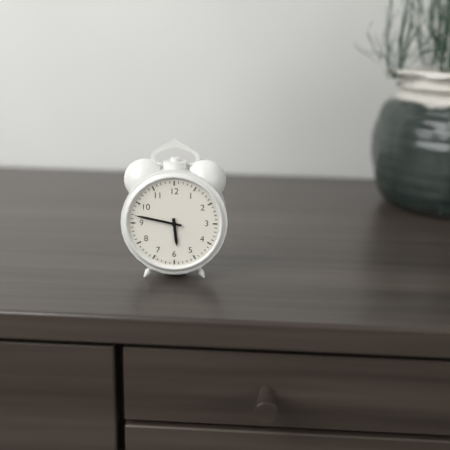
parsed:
5:47
